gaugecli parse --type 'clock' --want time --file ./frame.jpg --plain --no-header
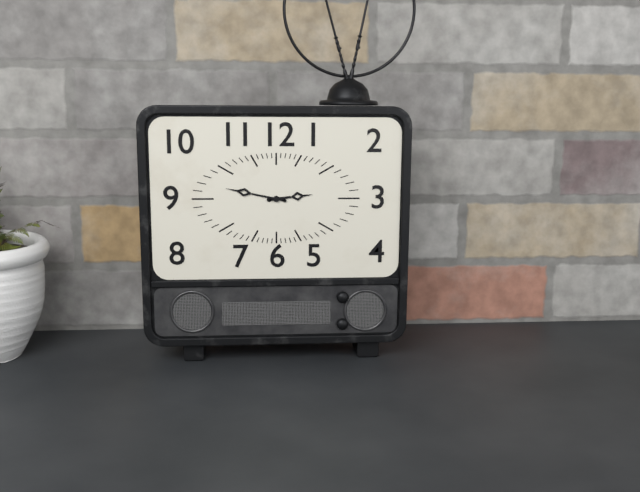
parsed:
2:47
